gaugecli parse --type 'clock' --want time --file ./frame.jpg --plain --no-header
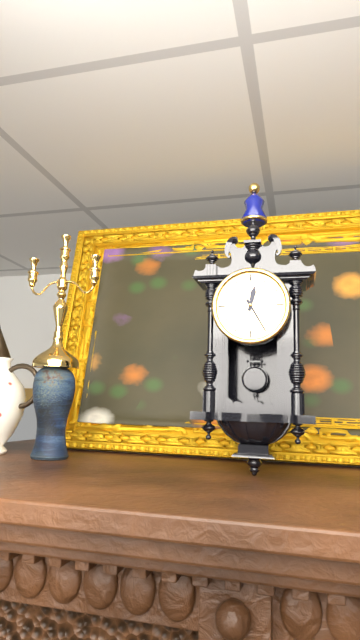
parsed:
12:25
